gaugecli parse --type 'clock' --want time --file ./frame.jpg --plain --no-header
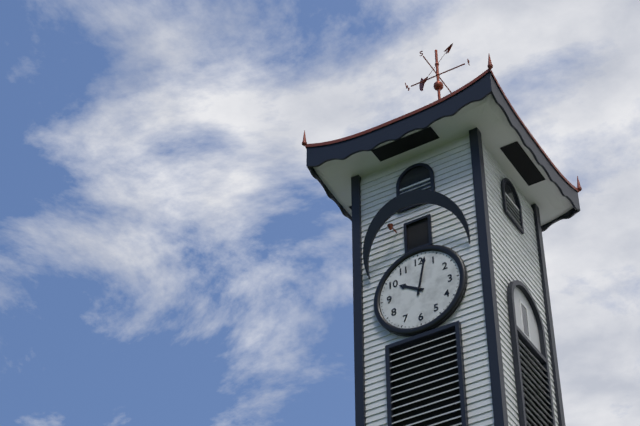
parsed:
10:02
